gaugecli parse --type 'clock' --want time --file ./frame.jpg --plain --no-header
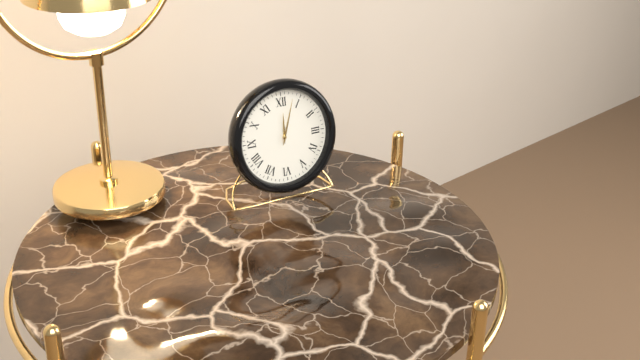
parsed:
12:03
